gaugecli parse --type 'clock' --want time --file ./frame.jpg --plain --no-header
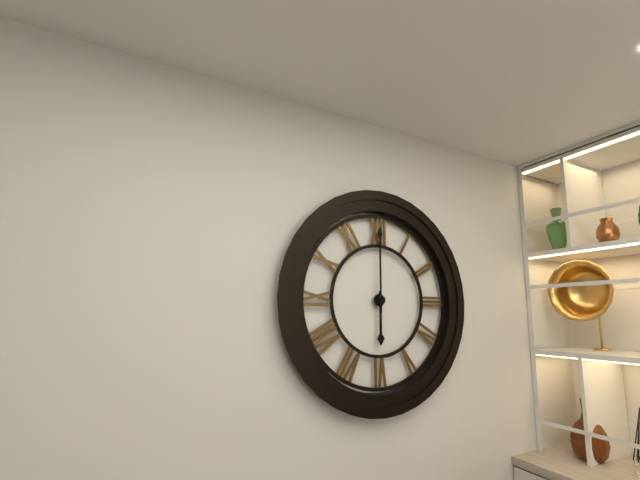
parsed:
6:00
